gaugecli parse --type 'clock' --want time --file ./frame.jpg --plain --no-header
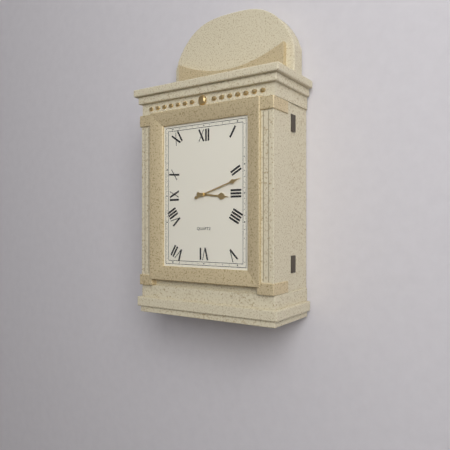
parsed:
3:12
